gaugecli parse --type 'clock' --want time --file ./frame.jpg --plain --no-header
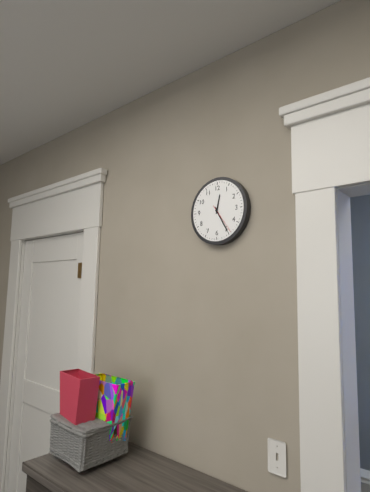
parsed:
12:25
